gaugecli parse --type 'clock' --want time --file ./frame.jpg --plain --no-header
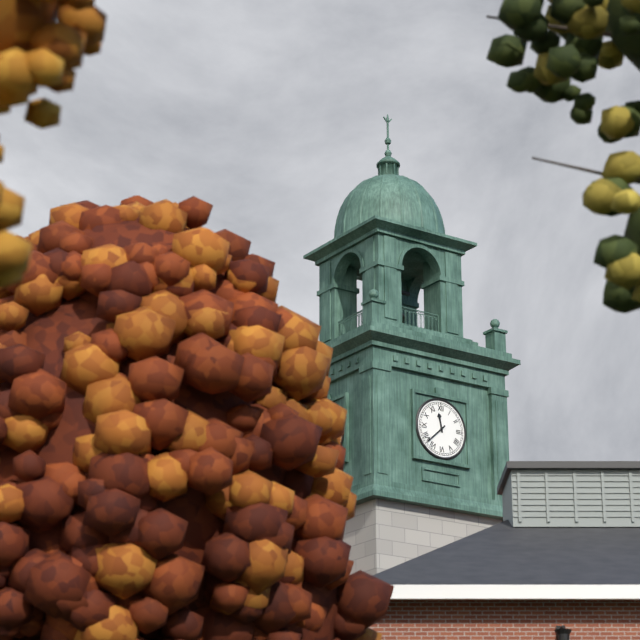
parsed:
11:38
